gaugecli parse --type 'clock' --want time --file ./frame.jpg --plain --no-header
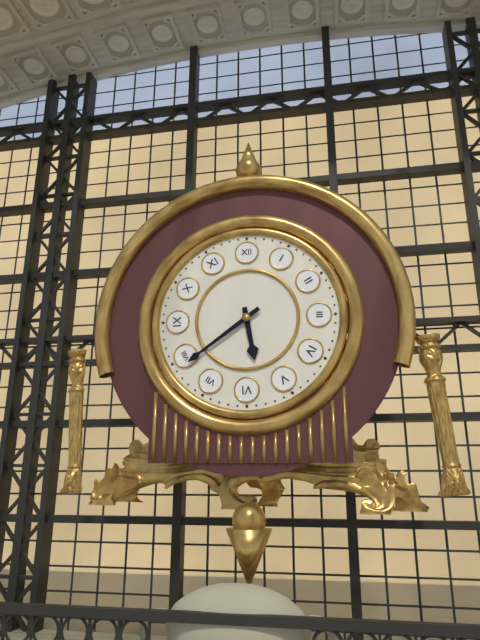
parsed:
5:39
